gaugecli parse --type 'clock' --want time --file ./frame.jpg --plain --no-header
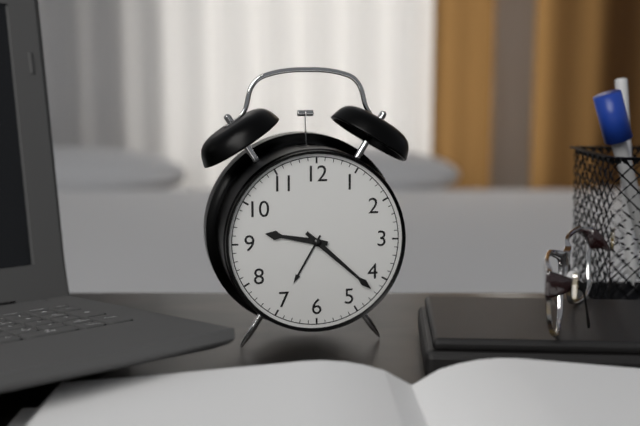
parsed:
9:22
